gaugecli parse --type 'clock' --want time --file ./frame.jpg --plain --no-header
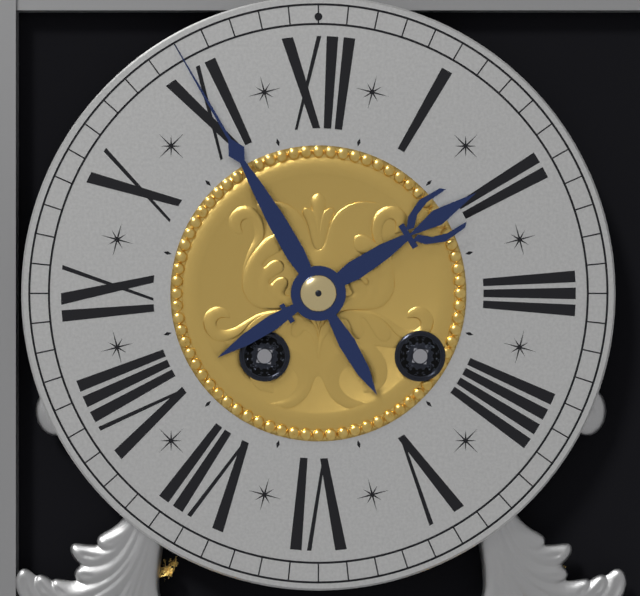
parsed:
1:55
